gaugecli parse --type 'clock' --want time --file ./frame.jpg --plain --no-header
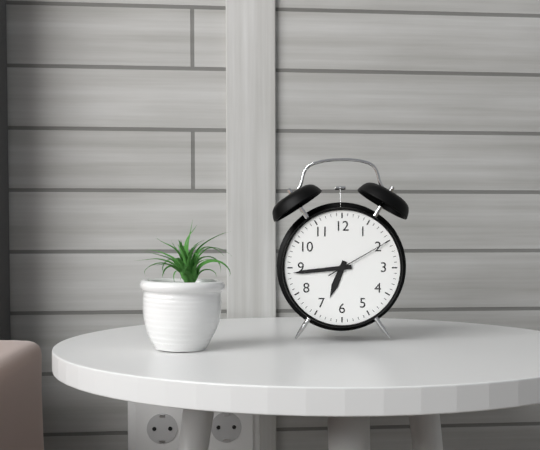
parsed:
6:44:10
